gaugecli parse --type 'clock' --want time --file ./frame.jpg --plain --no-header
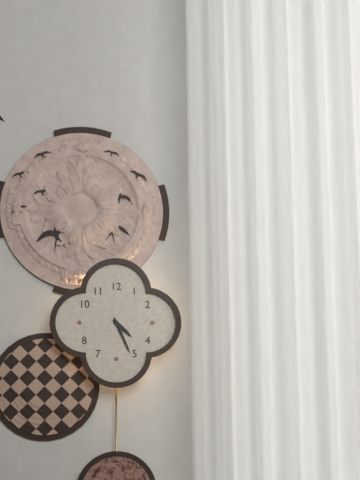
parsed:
4:26
